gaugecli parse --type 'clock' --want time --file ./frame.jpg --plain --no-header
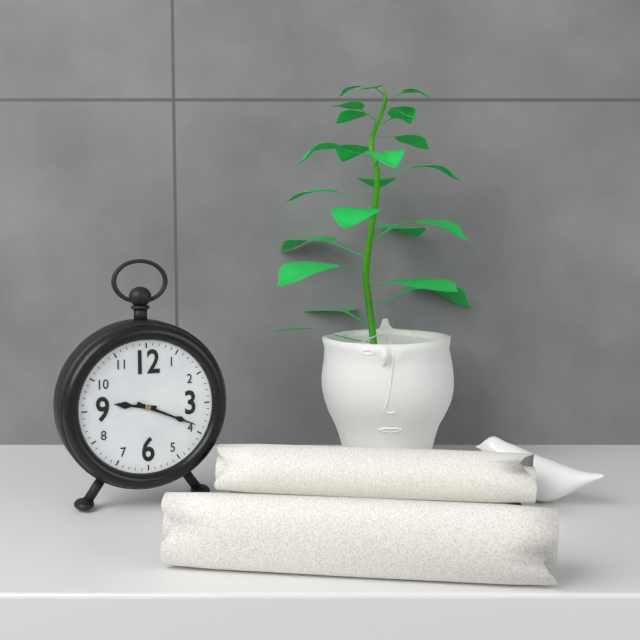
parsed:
9:19
